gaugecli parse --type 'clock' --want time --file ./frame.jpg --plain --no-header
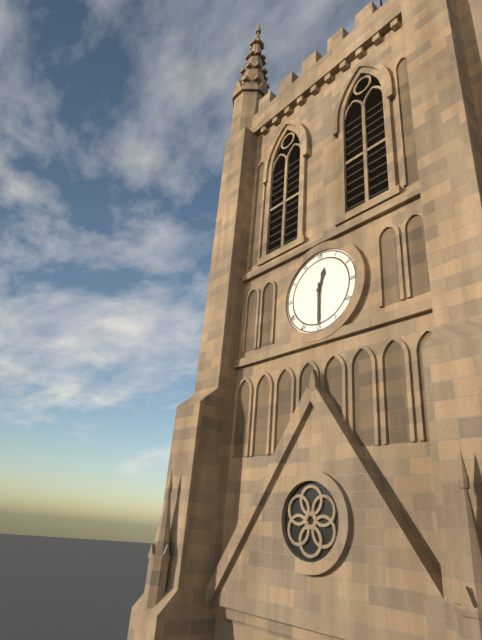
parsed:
12:30
